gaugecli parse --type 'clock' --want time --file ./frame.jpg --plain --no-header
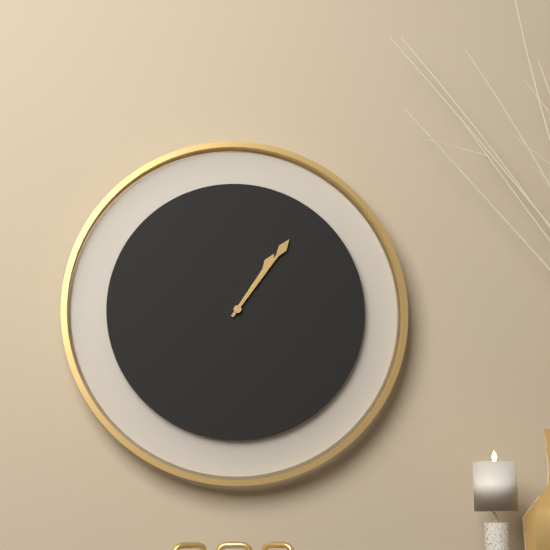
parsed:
1:06
